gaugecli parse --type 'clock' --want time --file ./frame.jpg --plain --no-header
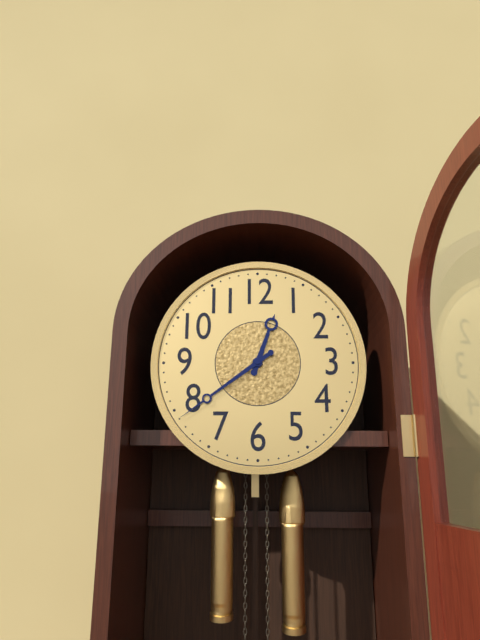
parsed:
12:39
